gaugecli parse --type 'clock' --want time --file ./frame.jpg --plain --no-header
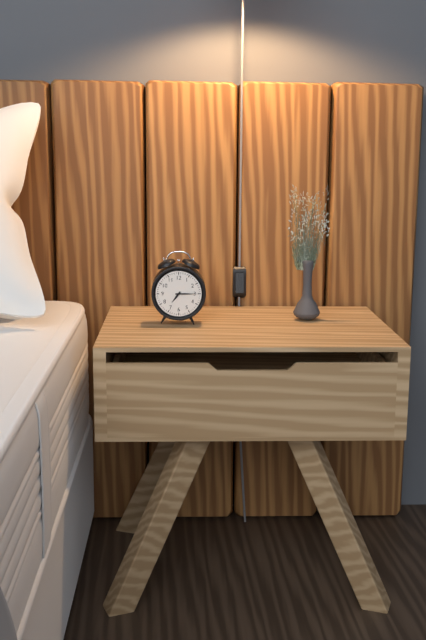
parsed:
7:15
